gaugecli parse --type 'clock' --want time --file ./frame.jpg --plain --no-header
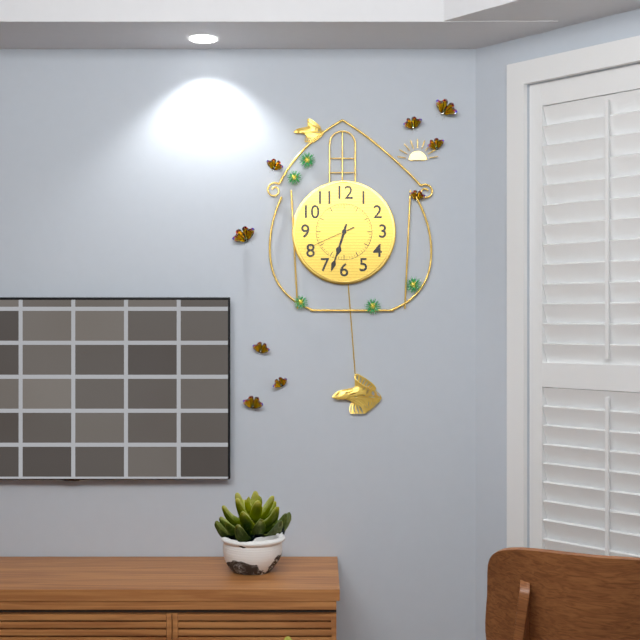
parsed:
6:33:41
